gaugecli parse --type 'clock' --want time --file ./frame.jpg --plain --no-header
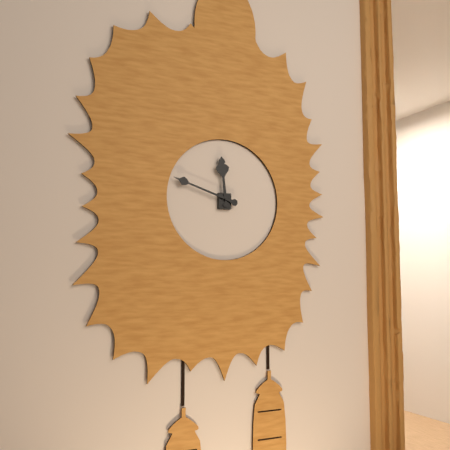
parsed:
11:48
